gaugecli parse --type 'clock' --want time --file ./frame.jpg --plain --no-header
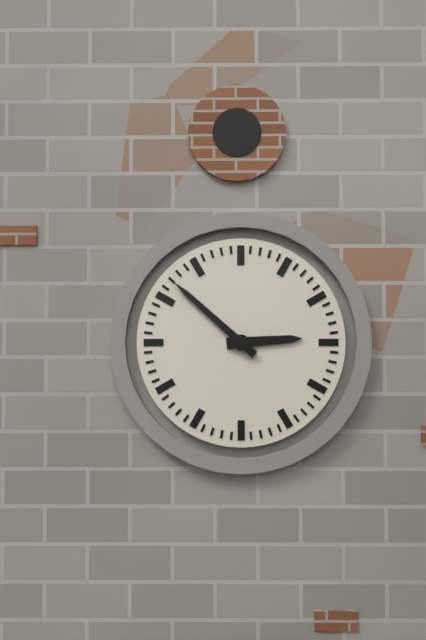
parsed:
2:52
